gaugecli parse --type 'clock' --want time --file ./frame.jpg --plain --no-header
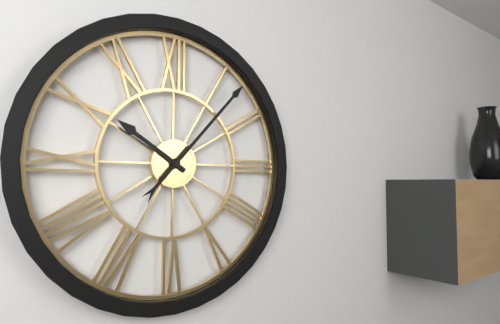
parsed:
10:07
